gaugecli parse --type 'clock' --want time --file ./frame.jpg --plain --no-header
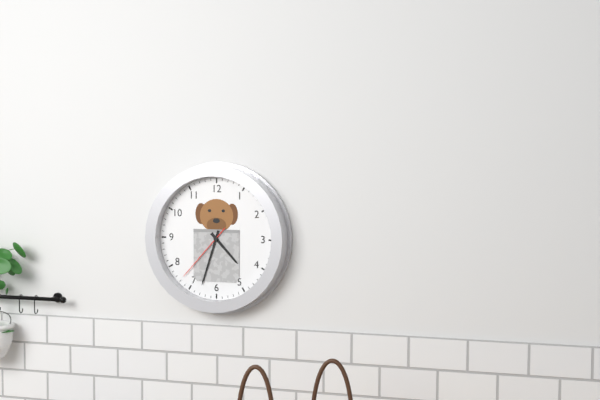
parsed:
4:33:37
